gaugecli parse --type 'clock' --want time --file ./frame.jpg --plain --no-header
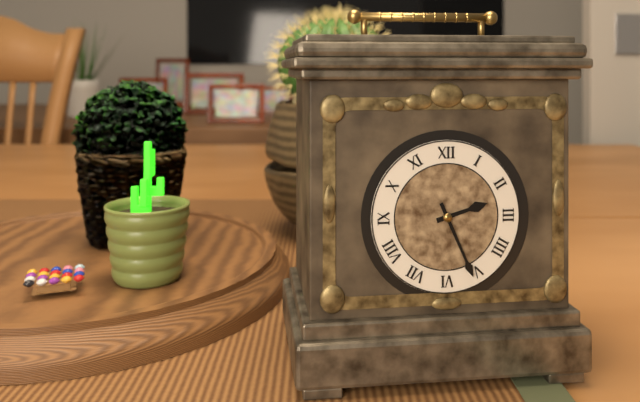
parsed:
2:26
